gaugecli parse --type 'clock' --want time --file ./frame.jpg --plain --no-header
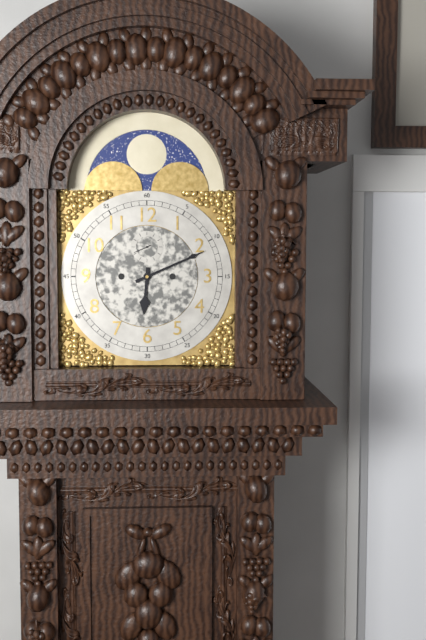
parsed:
6:11
